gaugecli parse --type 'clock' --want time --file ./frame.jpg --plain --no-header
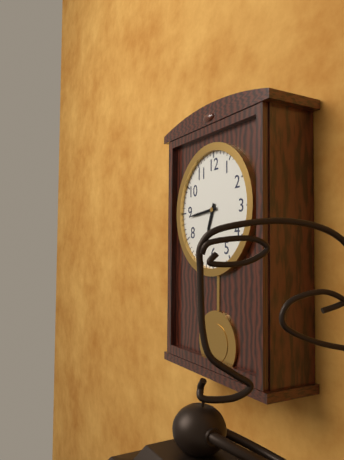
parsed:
6:44
